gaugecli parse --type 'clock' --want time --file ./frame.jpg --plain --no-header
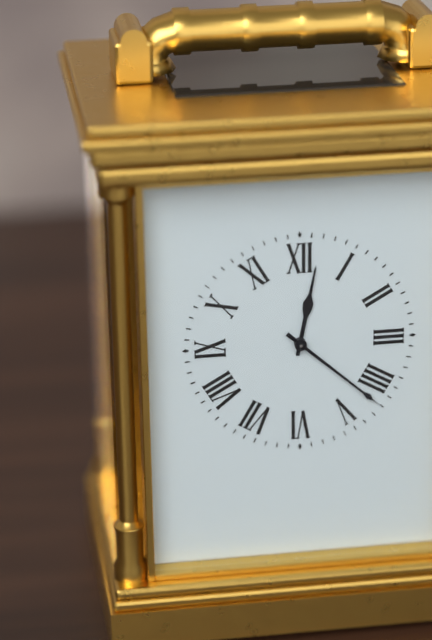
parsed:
12:22
